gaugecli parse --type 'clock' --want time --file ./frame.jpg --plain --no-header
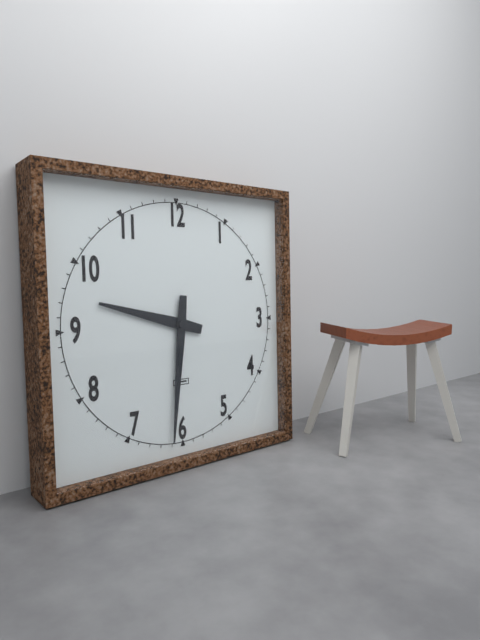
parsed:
9:31
